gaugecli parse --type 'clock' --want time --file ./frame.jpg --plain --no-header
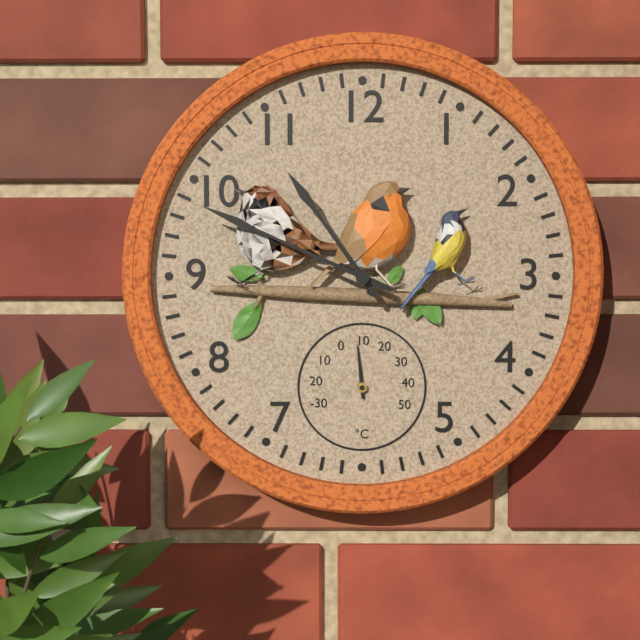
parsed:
10:49
